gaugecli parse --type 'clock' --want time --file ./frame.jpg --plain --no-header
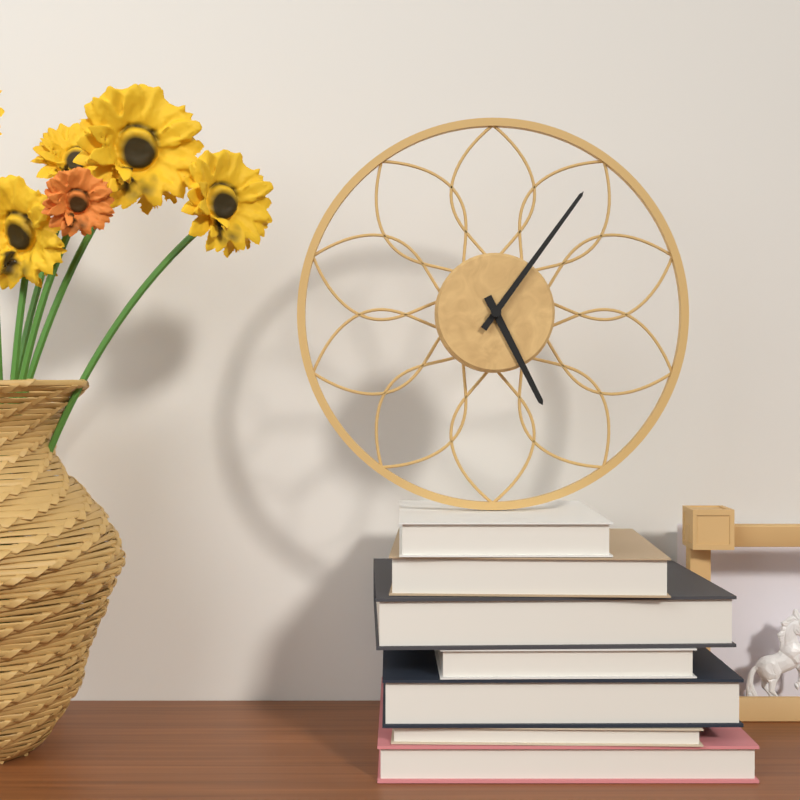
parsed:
5:06
